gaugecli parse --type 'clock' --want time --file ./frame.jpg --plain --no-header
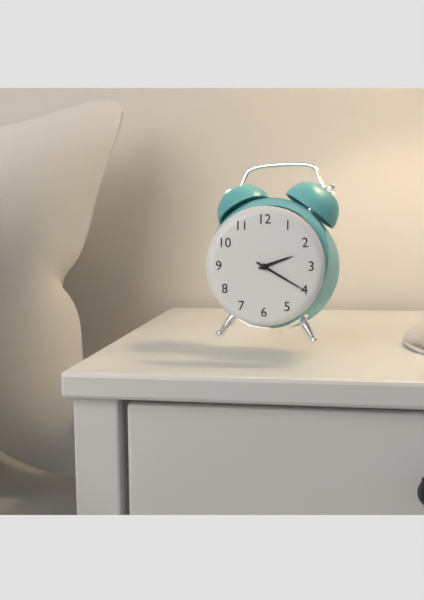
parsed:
2:20
